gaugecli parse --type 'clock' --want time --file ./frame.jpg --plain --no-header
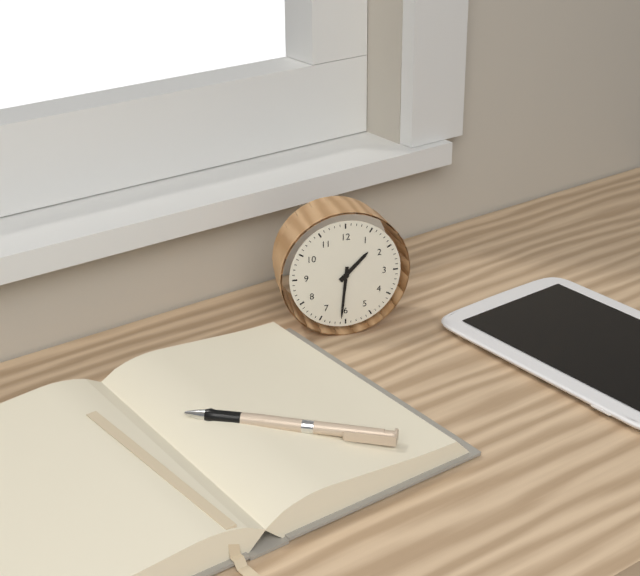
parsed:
1:31
